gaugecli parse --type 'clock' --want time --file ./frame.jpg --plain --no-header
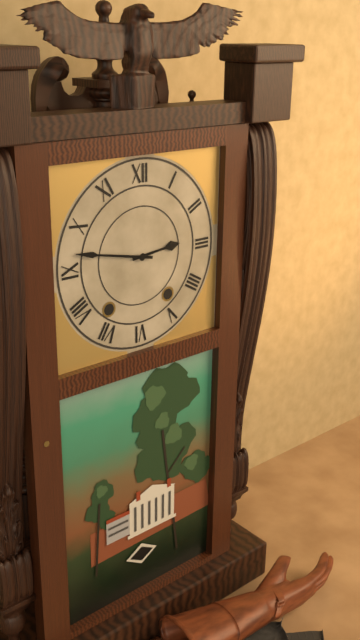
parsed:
2:47
